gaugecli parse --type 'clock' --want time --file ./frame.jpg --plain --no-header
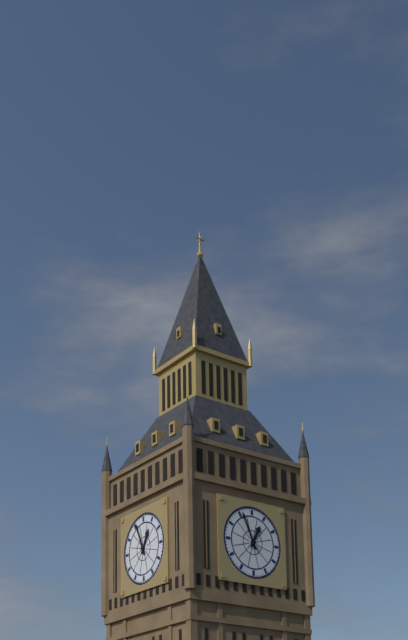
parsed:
12:56
